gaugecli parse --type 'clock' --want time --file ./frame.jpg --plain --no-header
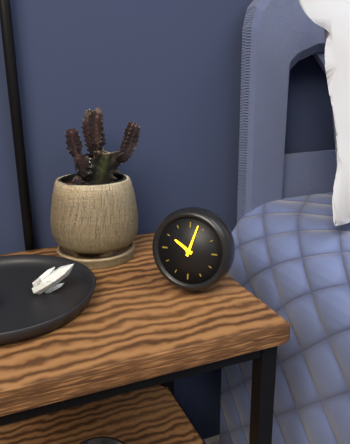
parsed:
10:03
